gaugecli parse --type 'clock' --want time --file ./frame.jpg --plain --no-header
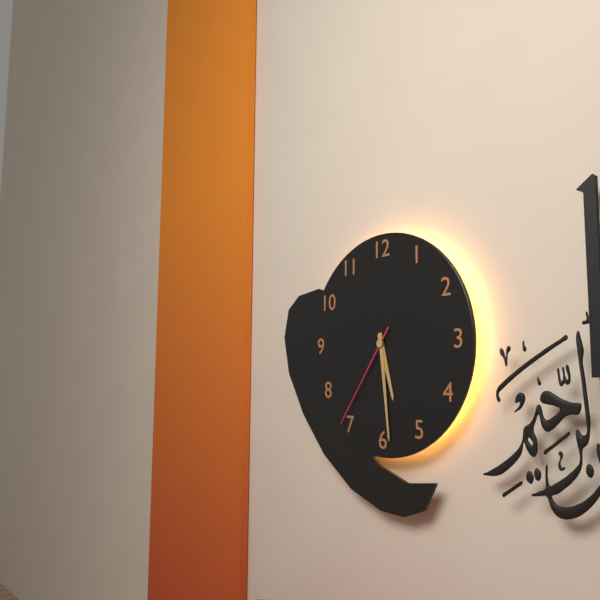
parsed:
5:29:36
